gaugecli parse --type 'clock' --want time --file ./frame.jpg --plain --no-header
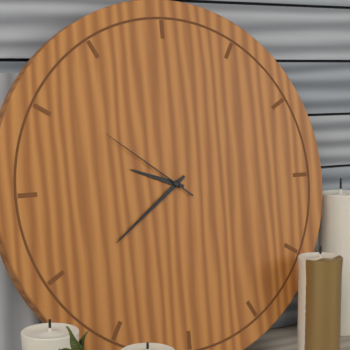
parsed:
9:39:51
